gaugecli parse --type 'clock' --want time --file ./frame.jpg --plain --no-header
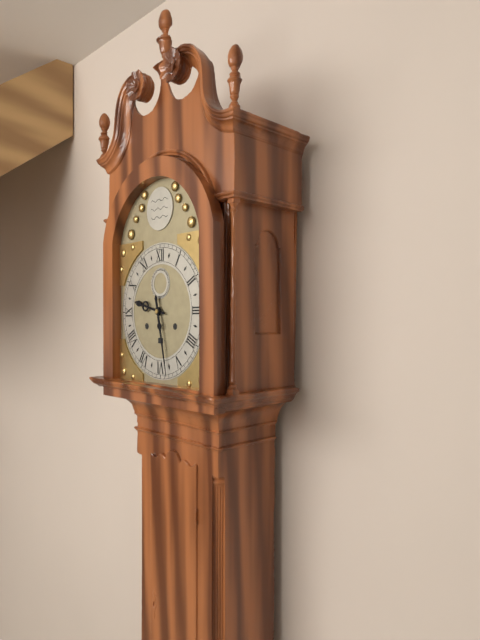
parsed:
9:28
